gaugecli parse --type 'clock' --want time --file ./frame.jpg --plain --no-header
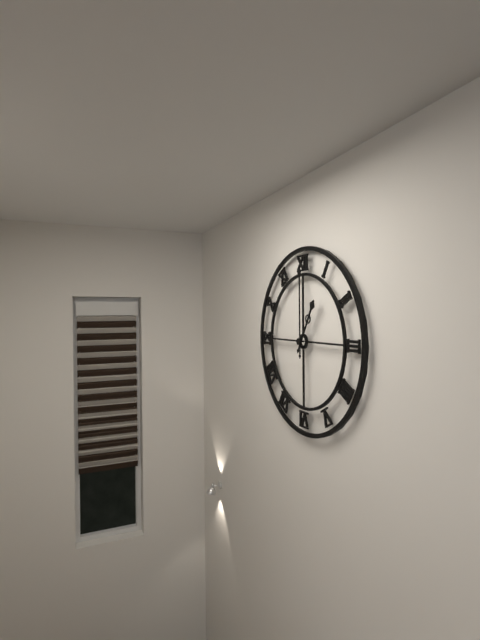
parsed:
1:00
